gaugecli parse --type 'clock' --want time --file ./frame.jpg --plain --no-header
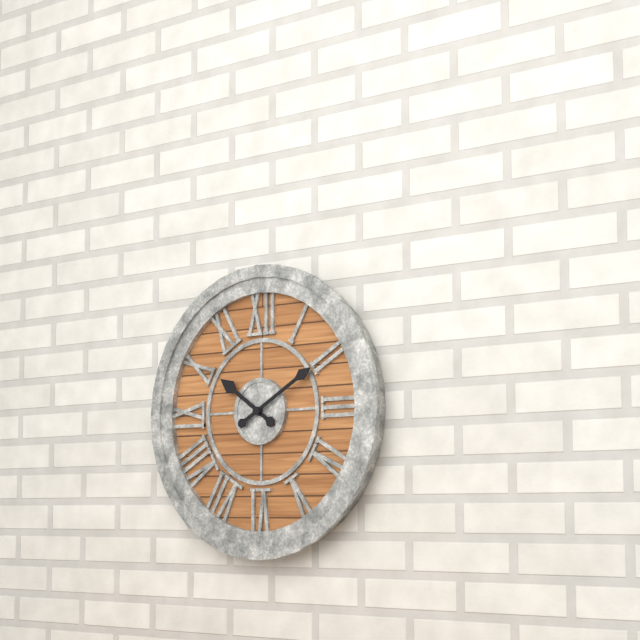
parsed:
10:10
